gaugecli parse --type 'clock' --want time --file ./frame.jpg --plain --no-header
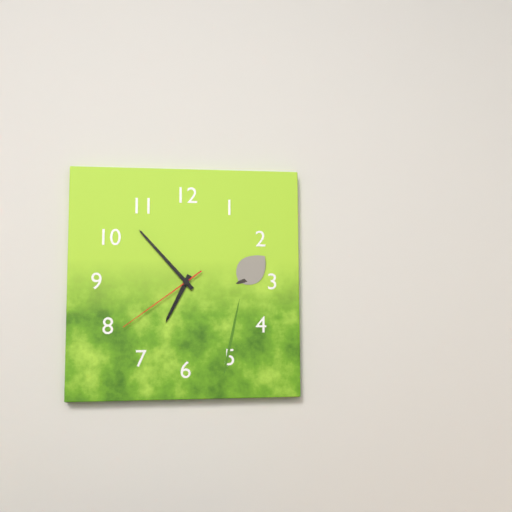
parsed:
6:53:39
